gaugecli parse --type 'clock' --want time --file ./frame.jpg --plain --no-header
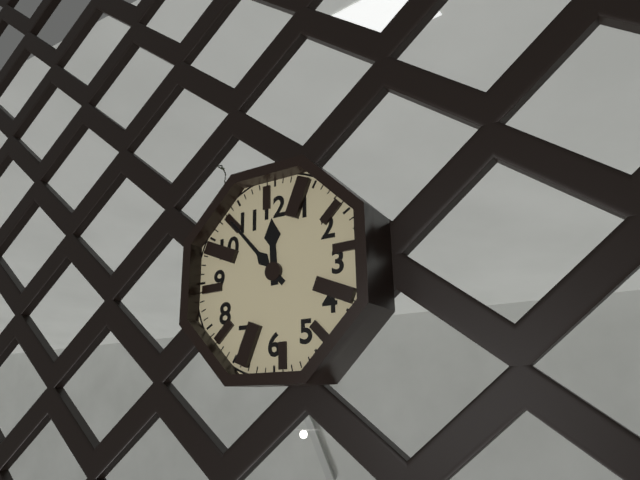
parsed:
11:53
